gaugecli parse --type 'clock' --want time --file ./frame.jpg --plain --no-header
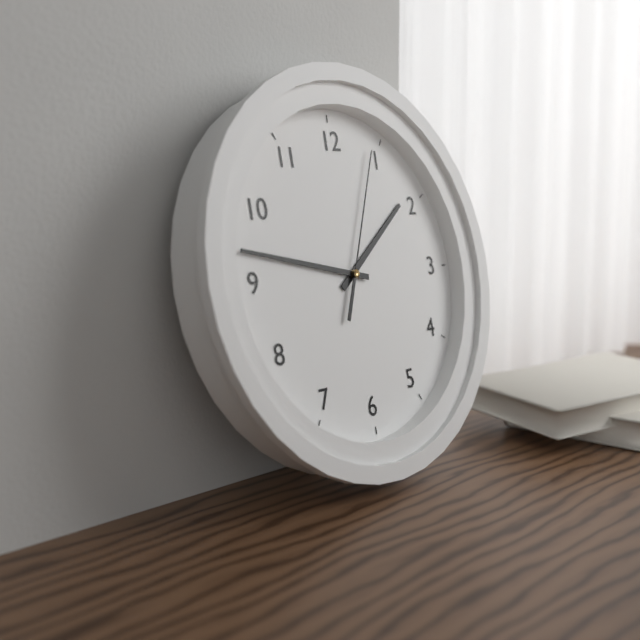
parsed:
1:47:04
